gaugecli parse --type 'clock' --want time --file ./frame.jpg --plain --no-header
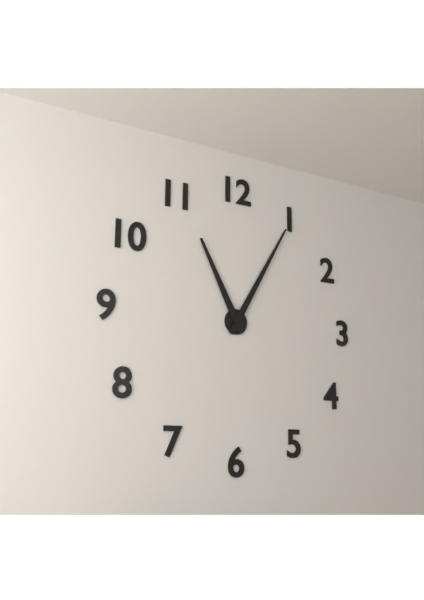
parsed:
11:05
